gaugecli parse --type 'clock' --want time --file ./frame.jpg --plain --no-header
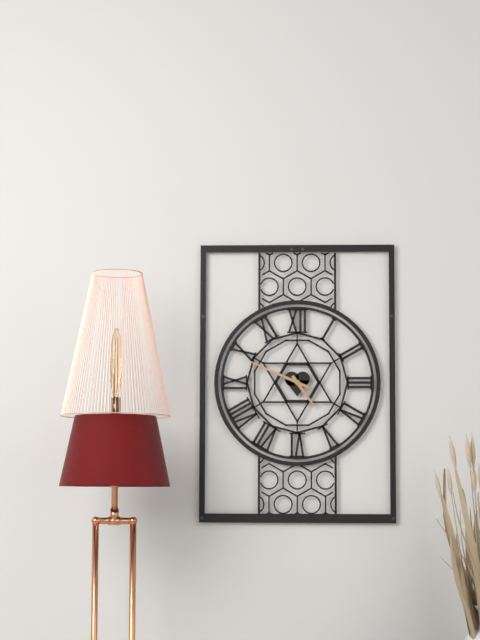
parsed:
4:49
